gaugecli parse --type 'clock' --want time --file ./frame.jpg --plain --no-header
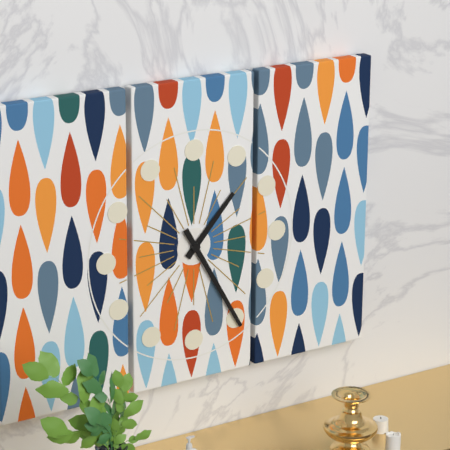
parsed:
1:25
